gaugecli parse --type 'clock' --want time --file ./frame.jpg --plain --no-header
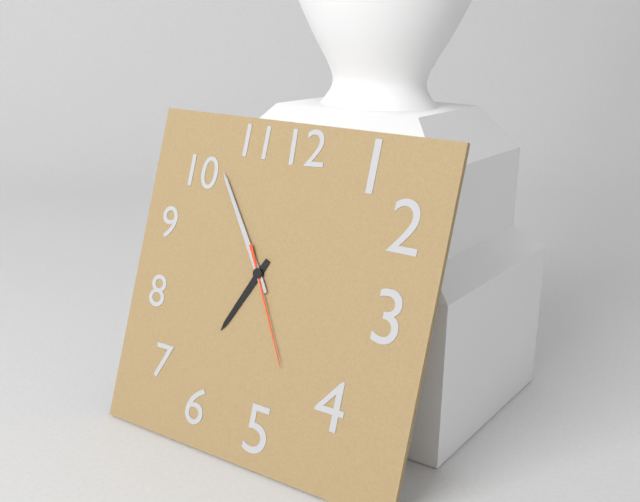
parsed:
6:54:25
